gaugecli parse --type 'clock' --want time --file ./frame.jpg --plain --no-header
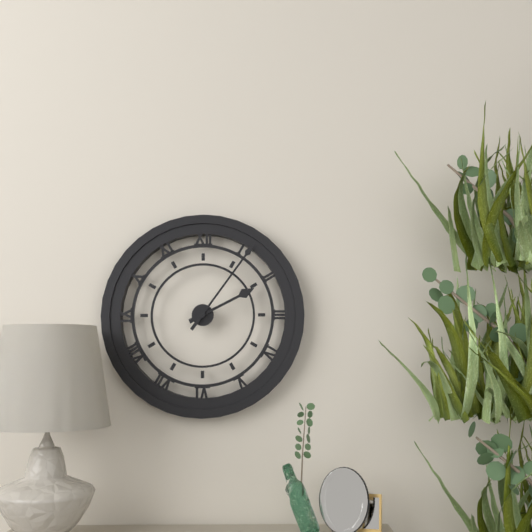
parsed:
2:06
